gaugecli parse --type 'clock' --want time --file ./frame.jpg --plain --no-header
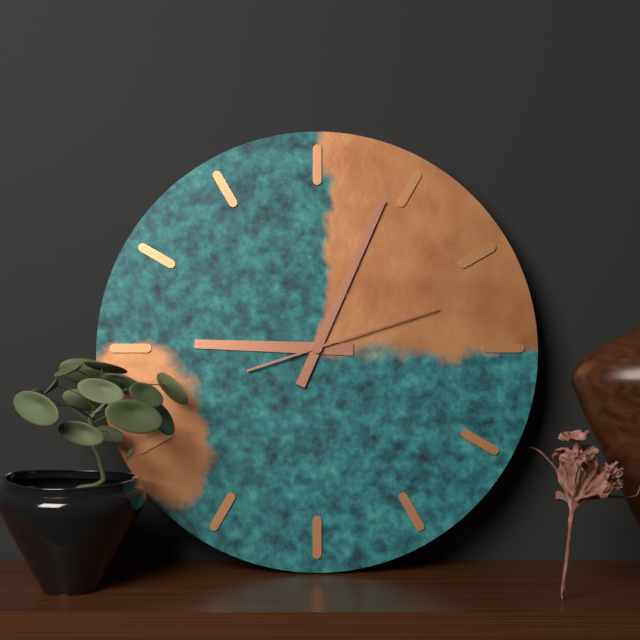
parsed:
9:04:12
